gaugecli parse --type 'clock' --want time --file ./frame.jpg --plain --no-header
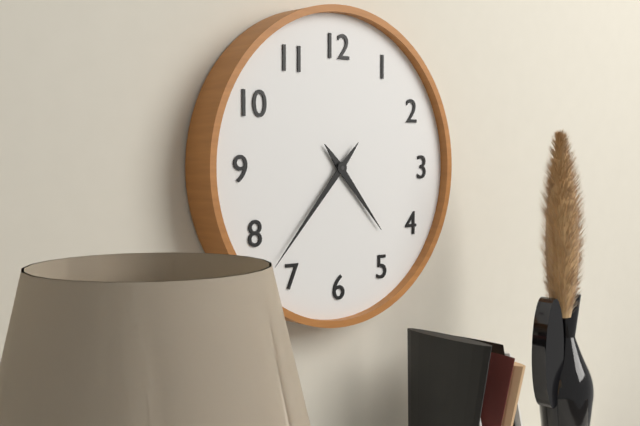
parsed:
4:37
